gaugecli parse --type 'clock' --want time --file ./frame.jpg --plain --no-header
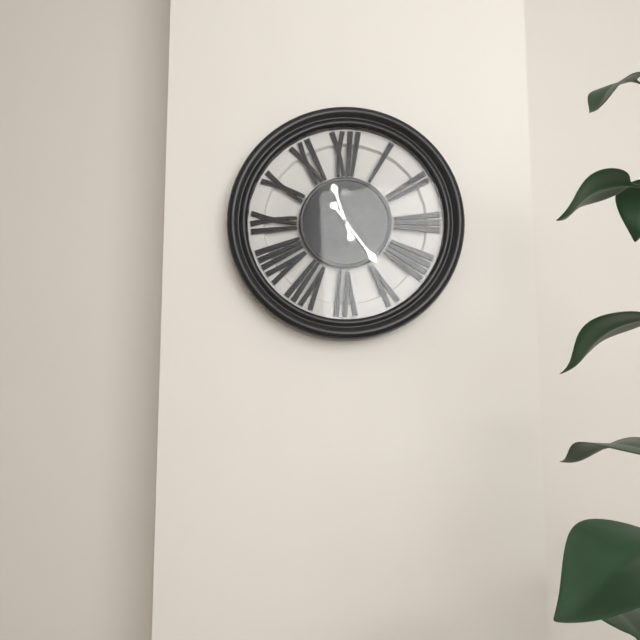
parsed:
11:24
